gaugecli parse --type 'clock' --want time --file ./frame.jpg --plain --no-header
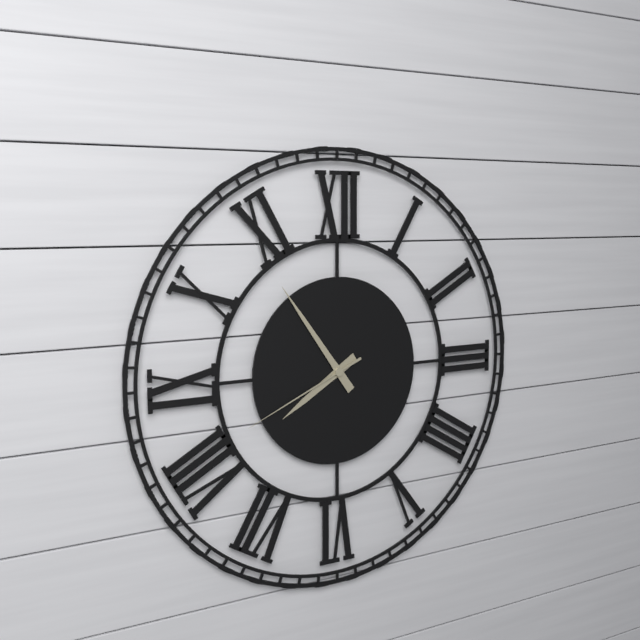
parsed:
7:54:41
